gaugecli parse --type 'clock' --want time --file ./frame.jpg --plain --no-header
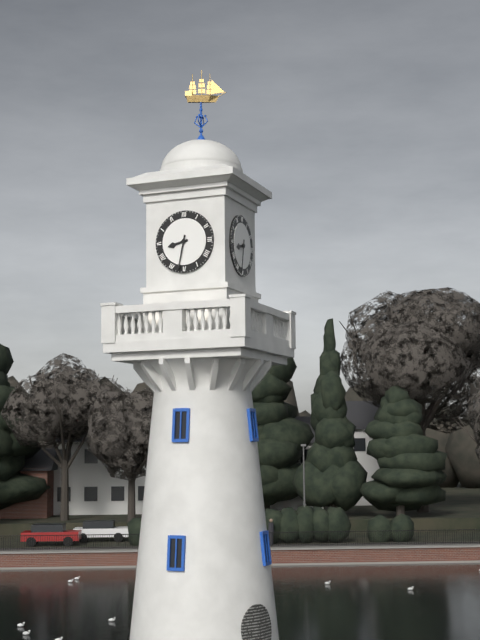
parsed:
8:32
